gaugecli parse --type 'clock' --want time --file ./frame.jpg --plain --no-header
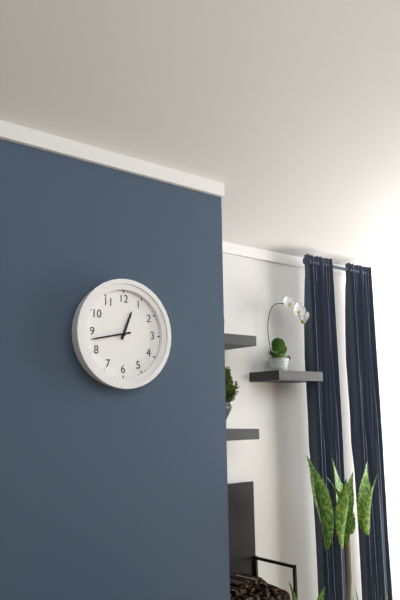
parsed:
12:43
